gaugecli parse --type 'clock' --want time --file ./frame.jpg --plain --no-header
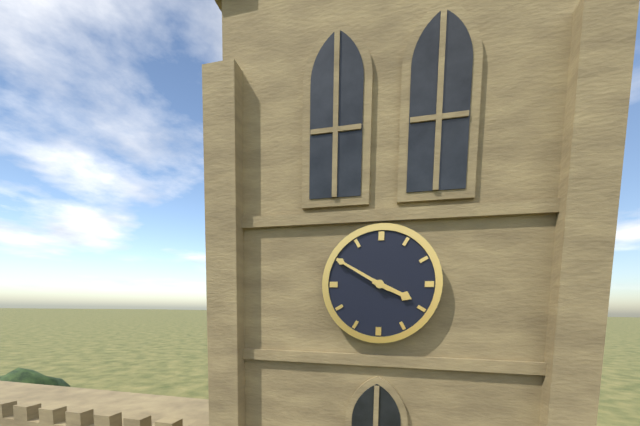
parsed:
3:50
